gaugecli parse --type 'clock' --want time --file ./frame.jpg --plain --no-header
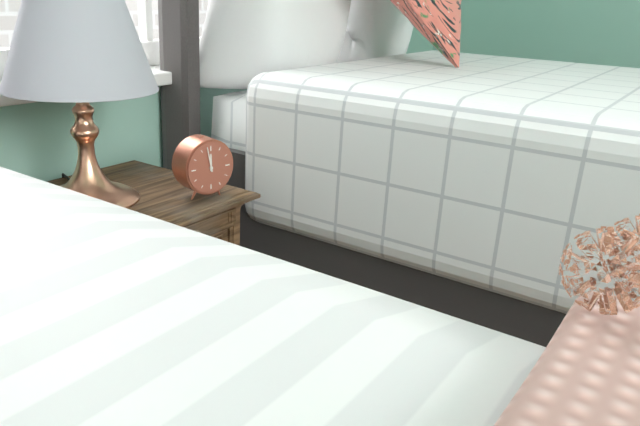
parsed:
11:58
